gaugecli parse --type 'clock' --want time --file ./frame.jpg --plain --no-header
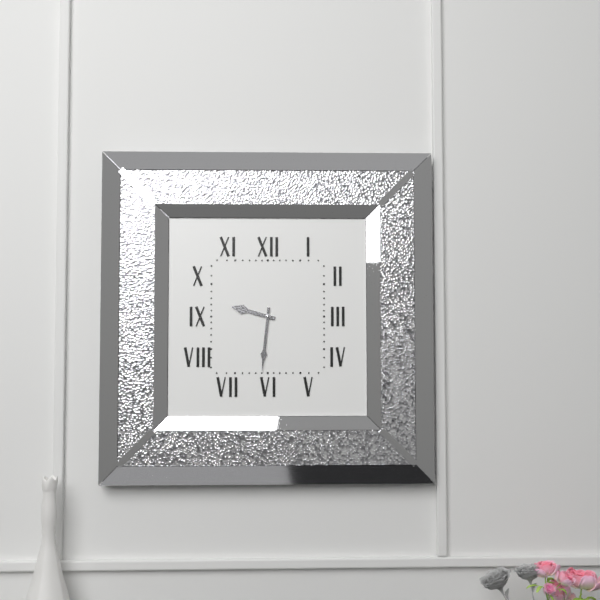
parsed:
9:31
